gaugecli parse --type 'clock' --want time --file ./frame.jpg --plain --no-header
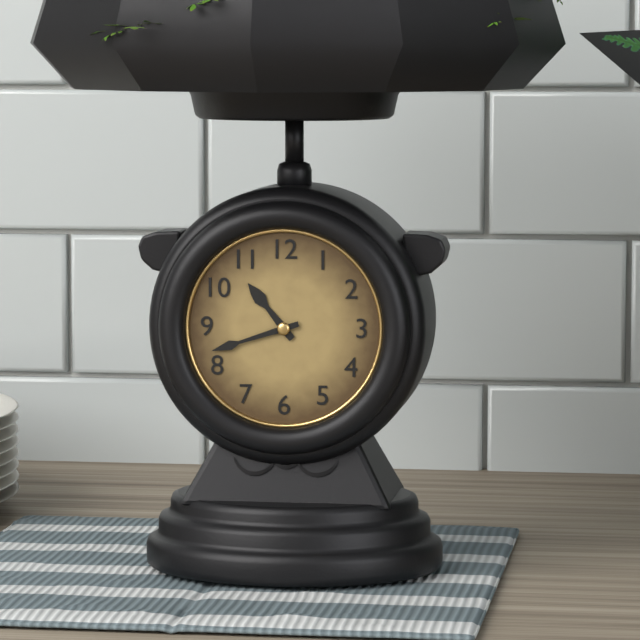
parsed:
10:42
